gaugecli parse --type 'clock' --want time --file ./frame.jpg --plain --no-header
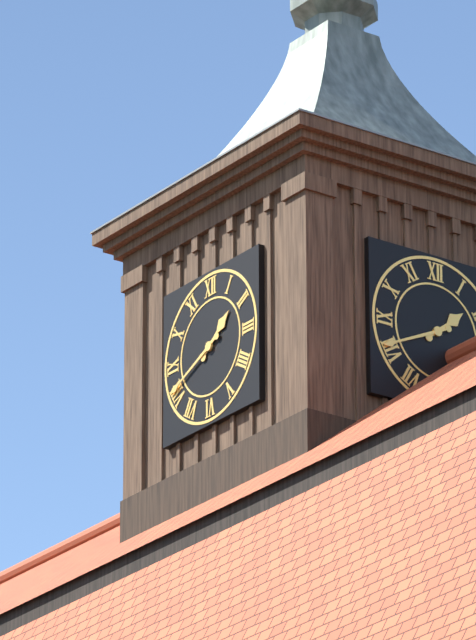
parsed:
1:41
